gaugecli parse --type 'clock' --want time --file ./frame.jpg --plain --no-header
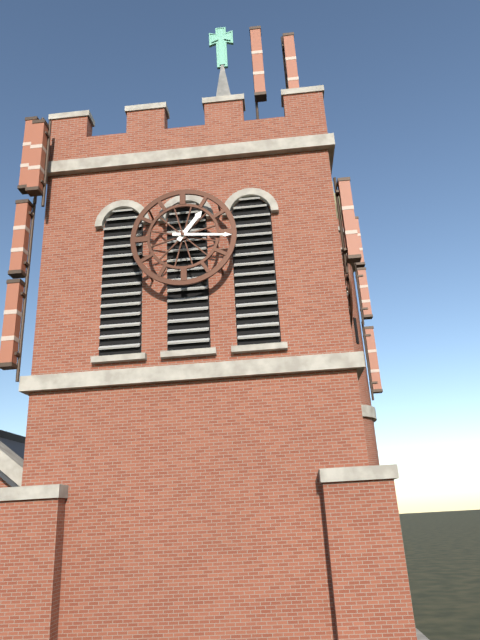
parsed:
1:16
